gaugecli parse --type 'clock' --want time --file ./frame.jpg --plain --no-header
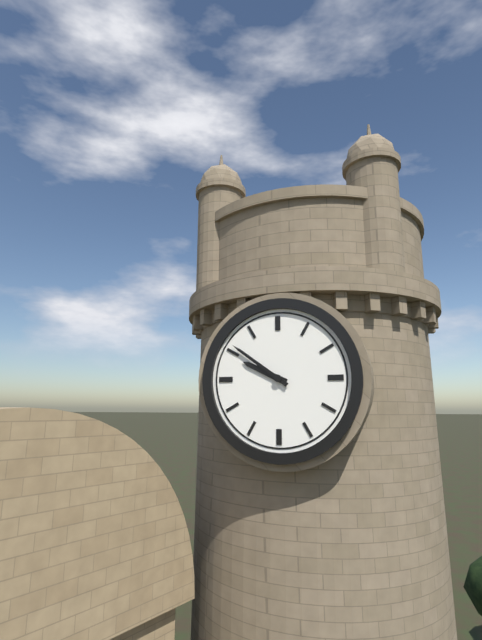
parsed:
9:51
